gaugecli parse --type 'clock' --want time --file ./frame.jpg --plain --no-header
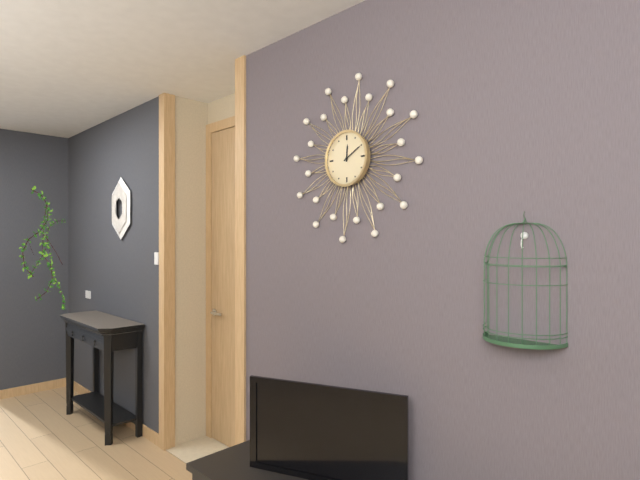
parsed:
12:10
